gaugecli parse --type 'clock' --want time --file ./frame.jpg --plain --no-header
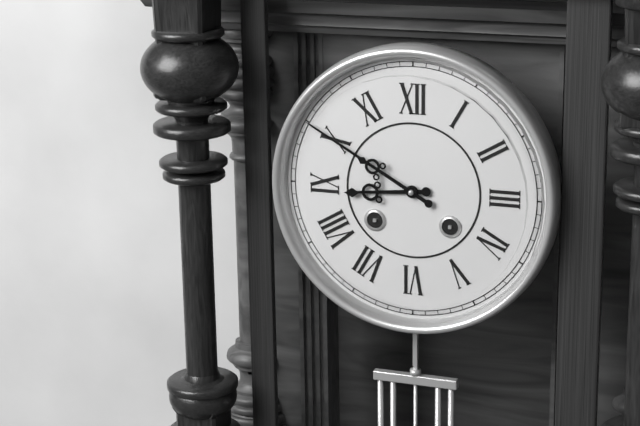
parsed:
8:50
